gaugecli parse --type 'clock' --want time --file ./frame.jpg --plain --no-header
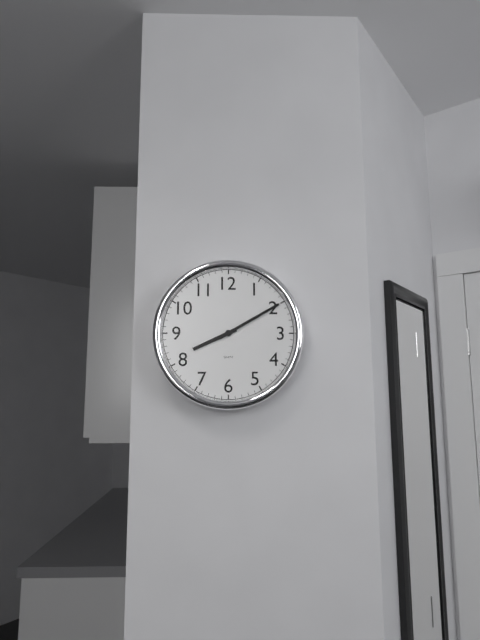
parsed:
8:10
